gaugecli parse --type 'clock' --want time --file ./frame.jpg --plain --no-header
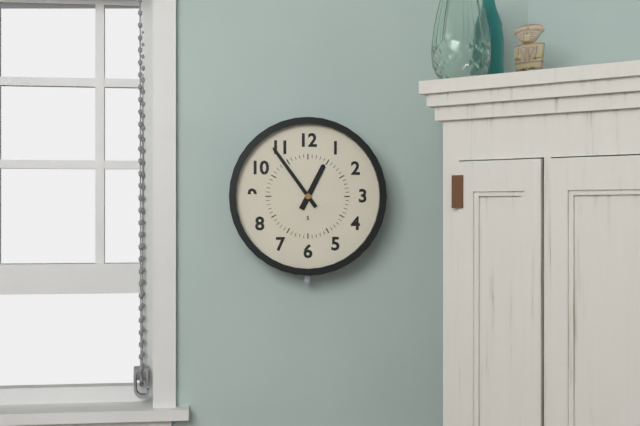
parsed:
12:54
